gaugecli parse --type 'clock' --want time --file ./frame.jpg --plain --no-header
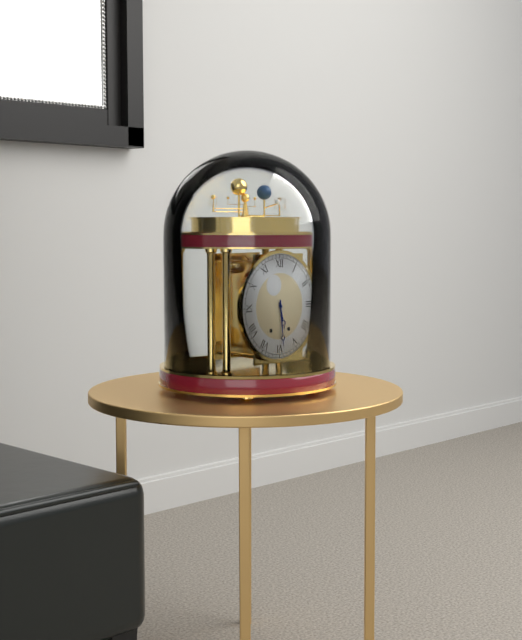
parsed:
5:29
